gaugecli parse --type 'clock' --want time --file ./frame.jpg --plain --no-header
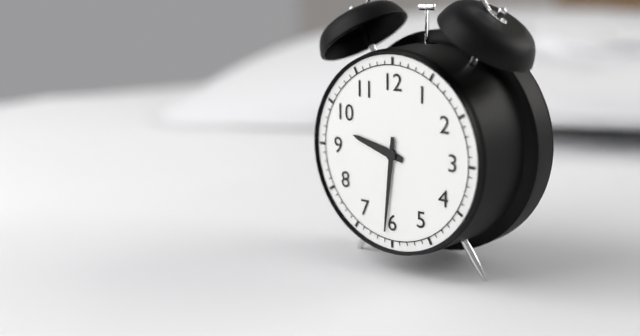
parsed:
9:31
